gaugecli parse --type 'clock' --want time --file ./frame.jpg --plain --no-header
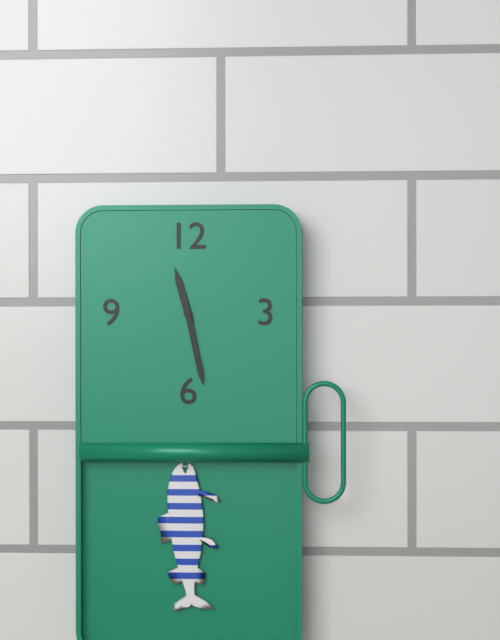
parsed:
11:28
